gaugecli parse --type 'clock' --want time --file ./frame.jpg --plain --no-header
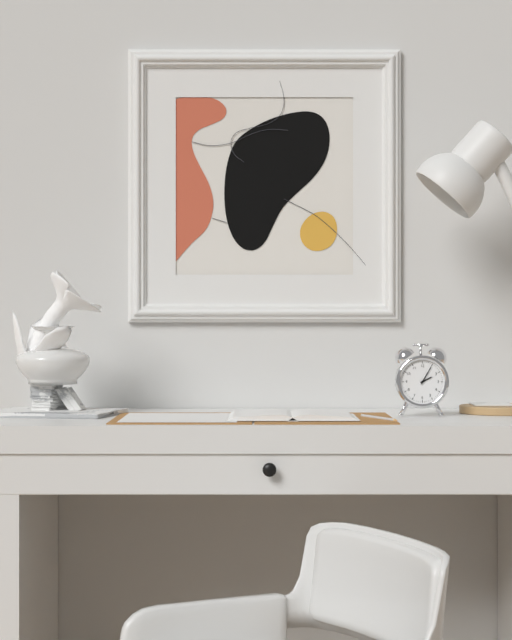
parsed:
2:05
